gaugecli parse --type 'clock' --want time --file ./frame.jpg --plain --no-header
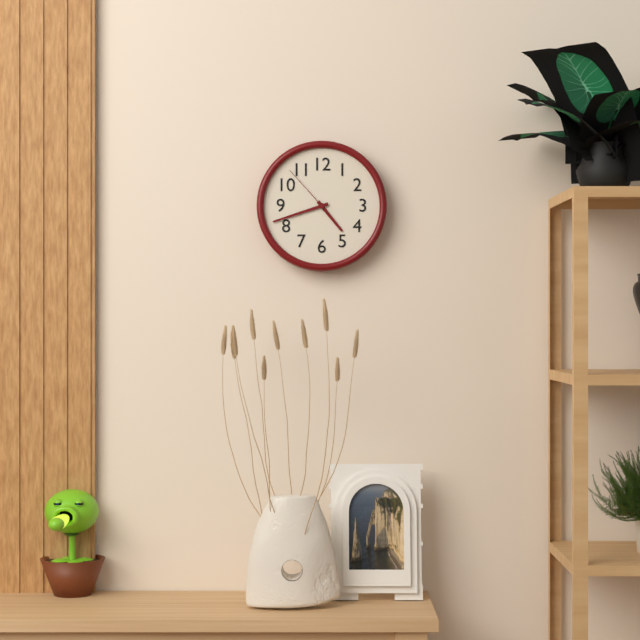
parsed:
4:42:53
